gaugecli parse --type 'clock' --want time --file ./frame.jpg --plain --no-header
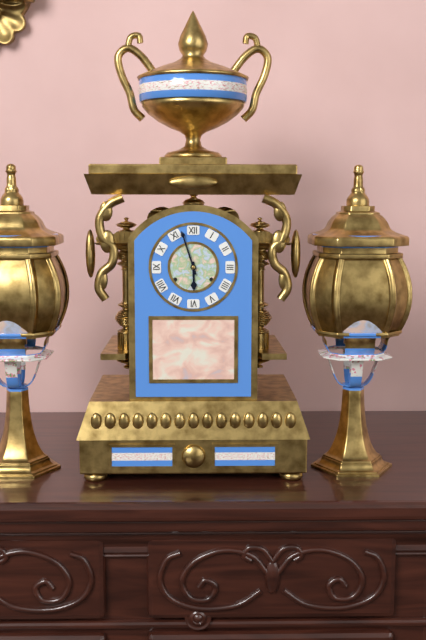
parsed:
5:57
